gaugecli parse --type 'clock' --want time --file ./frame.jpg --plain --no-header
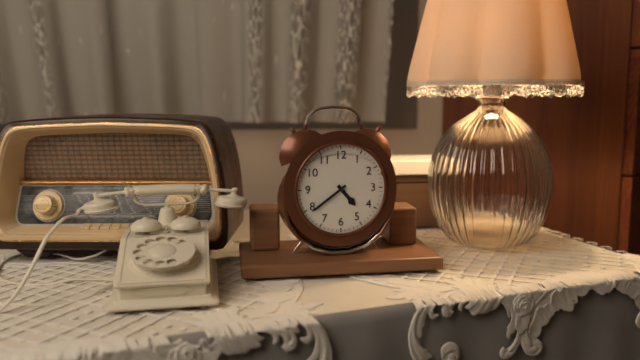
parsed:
4:39
